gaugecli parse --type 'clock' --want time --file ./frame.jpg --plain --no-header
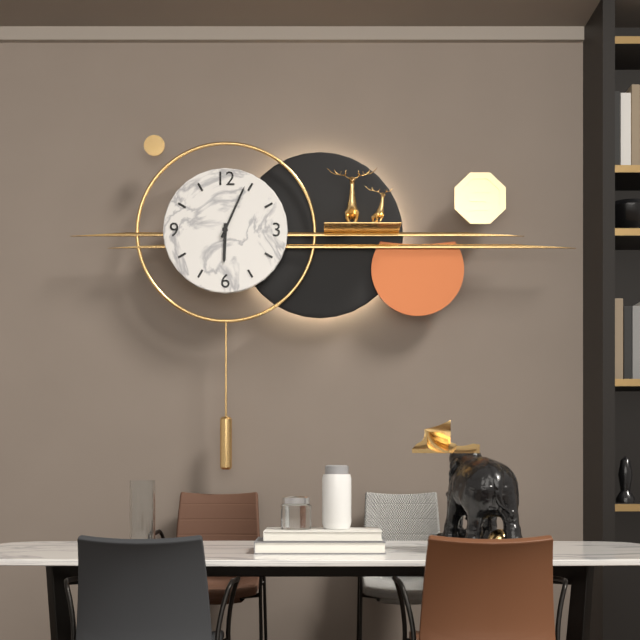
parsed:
6:04
